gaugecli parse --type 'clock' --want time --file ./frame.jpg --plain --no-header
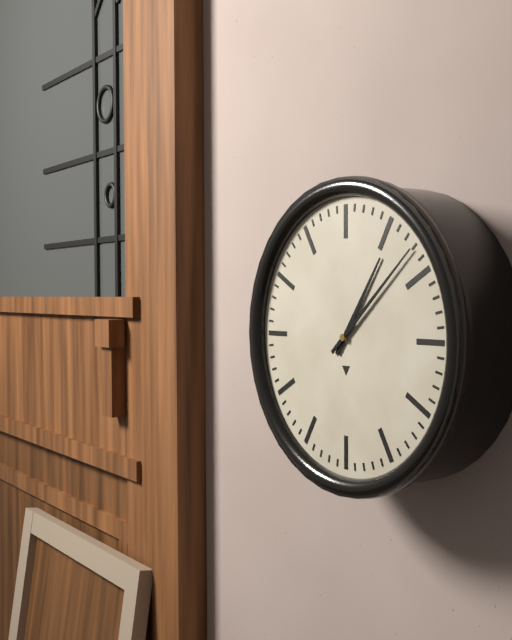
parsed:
1:08
